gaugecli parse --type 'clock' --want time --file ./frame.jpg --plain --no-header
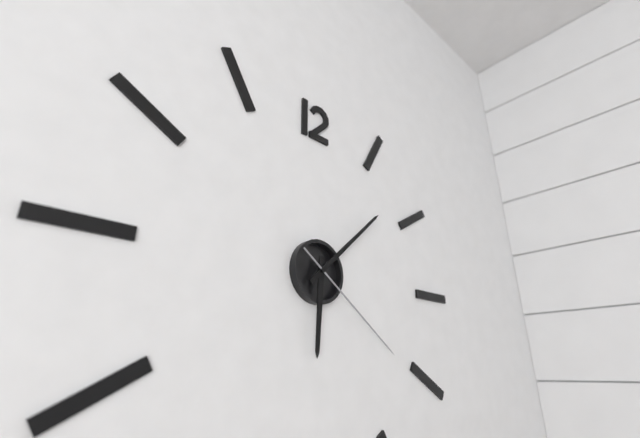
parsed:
6:08:21
